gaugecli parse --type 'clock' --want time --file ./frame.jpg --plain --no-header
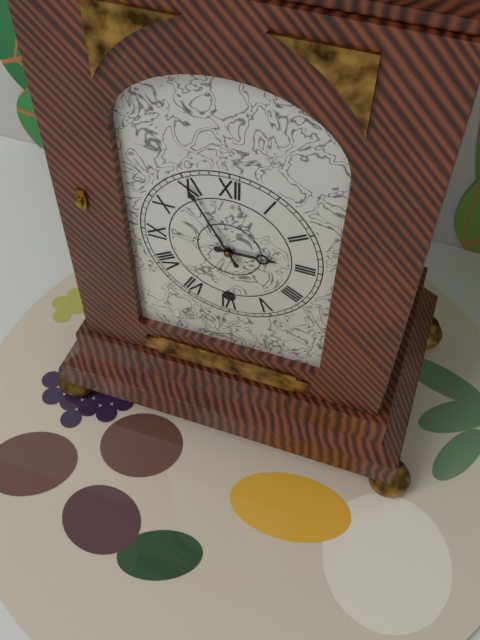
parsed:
2:55
